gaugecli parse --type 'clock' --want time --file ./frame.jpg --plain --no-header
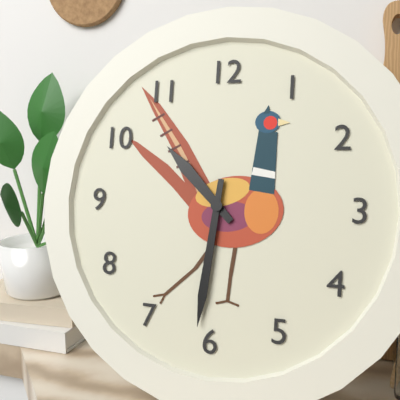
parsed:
10:31
